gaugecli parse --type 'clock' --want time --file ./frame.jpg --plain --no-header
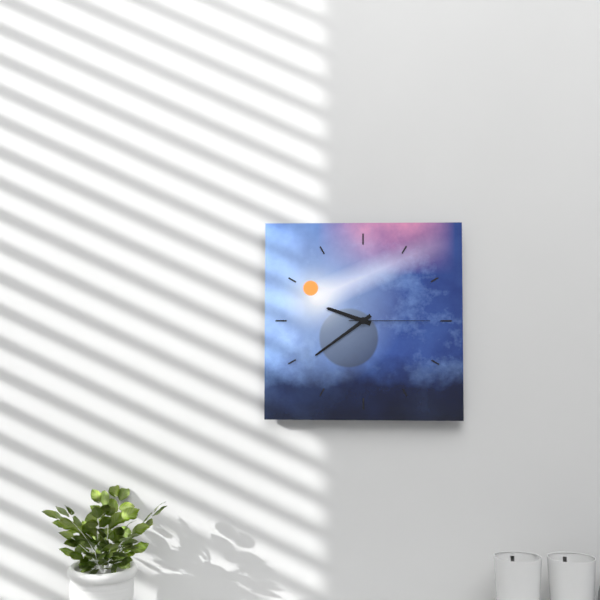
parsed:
9:39:15
